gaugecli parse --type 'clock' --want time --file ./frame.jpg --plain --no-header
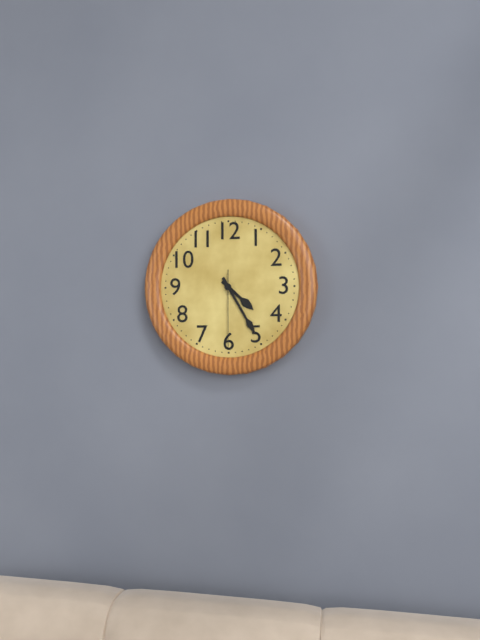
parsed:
4:25:30
